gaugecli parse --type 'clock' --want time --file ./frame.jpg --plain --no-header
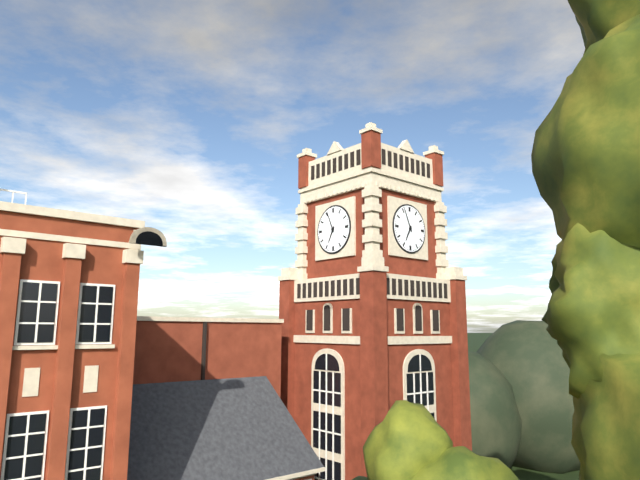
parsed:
6:56
